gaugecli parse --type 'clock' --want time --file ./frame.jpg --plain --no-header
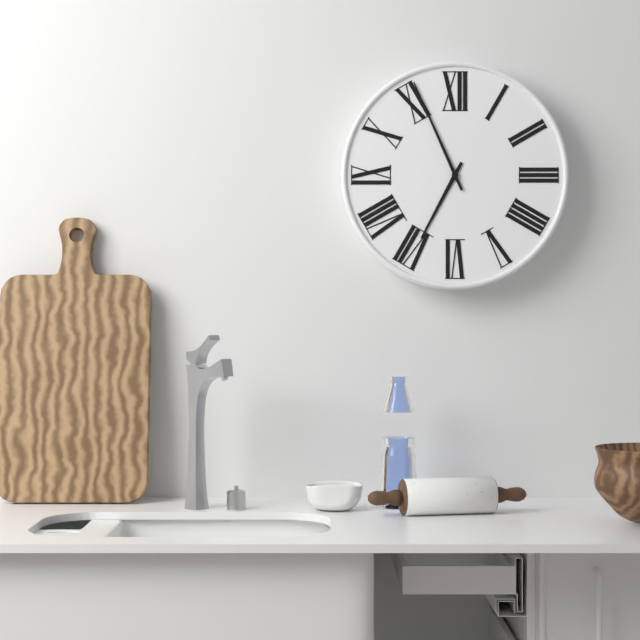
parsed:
6:56
